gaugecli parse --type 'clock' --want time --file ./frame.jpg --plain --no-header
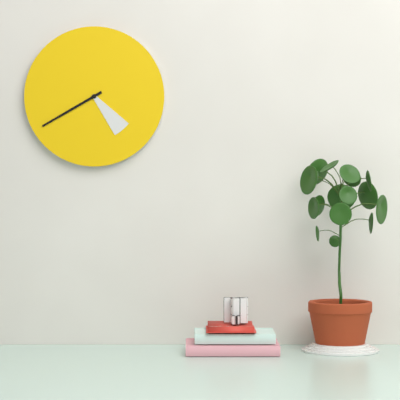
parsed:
4:40
